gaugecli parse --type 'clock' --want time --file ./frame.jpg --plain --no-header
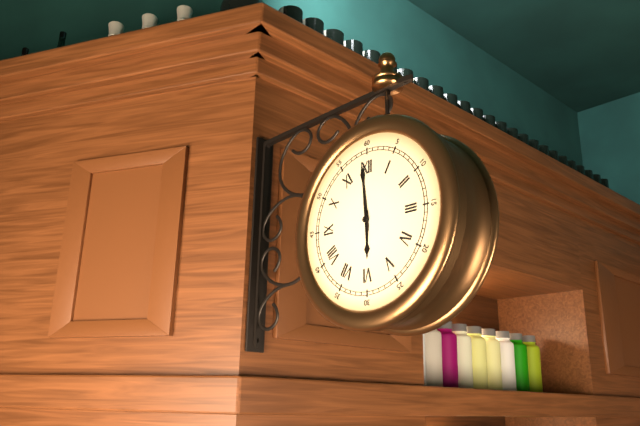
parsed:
5:59
